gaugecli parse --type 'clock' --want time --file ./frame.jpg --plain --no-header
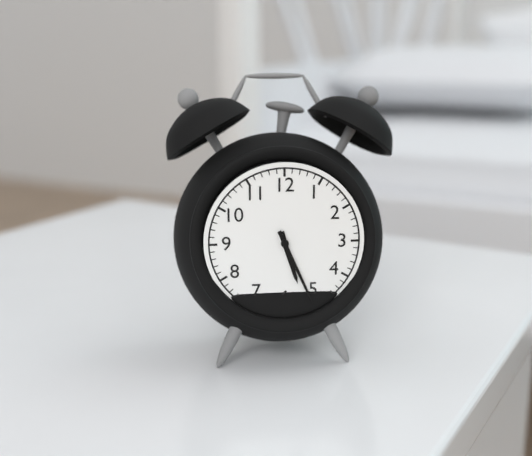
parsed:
5:26
